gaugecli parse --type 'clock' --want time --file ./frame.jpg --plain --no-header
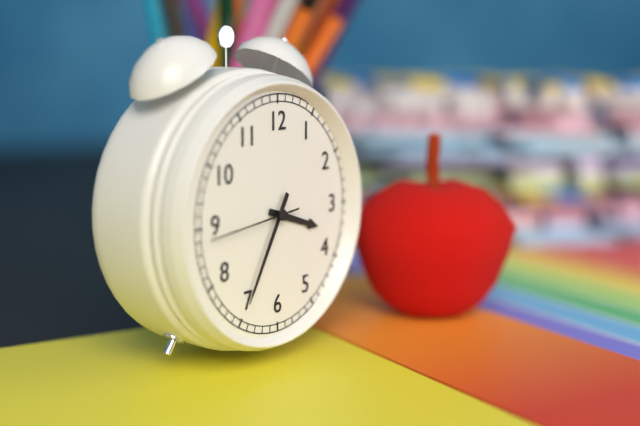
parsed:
3:35:44
